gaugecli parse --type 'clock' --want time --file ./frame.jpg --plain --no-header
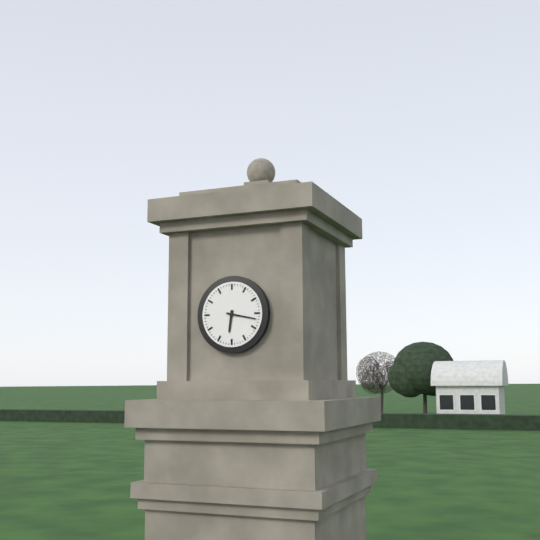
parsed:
6:17
